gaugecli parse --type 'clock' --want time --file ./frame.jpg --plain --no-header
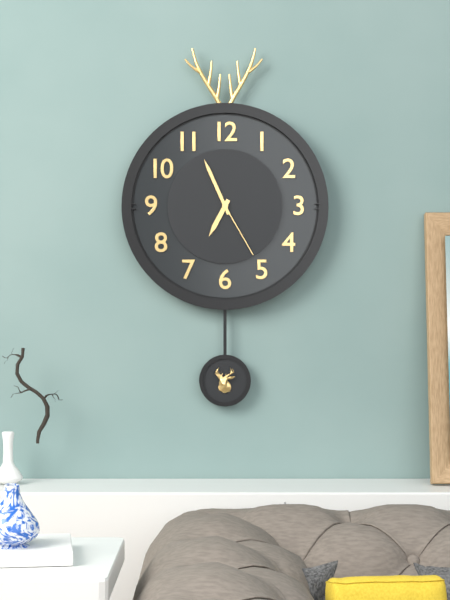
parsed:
6:56:25
